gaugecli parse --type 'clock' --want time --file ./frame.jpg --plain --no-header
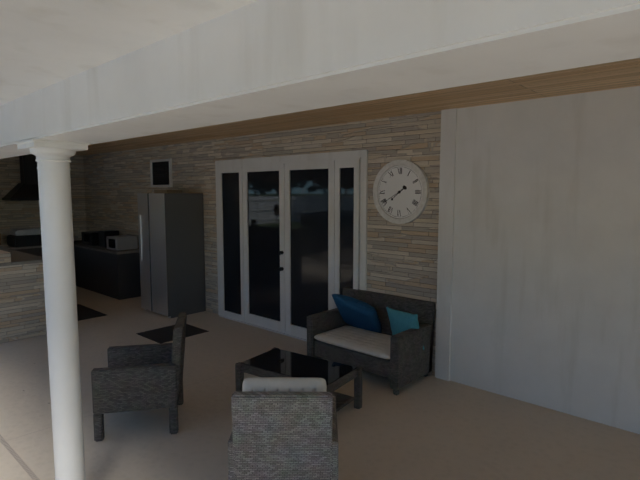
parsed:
7:40
